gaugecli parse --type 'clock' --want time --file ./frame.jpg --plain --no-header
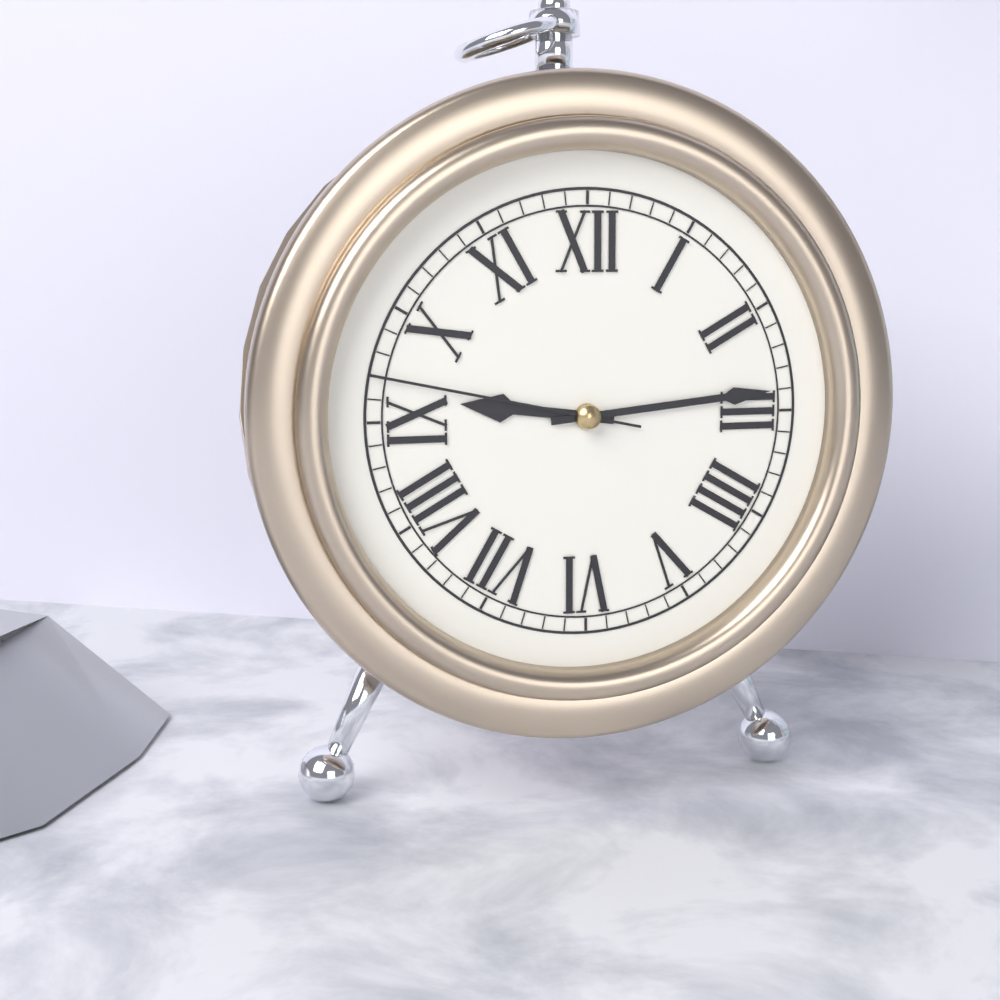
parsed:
9:14:47
